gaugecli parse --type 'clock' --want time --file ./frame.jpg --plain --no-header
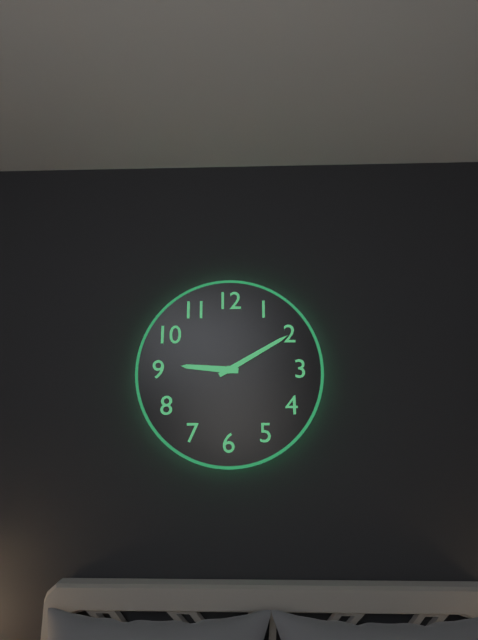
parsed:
9:10
